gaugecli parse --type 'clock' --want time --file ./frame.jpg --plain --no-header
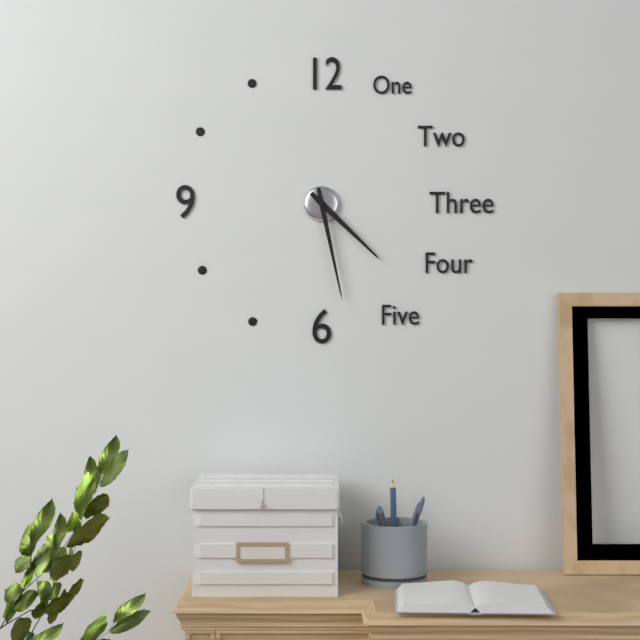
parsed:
4:28
